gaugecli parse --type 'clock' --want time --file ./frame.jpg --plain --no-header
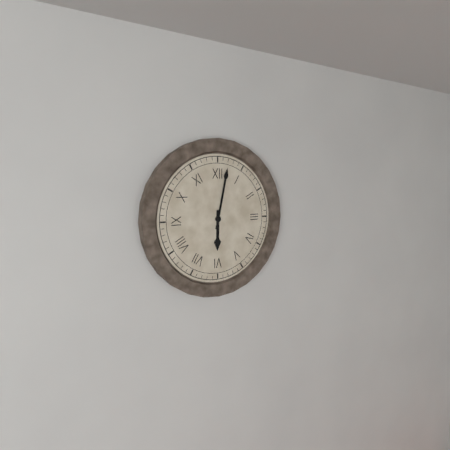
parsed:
6:02
